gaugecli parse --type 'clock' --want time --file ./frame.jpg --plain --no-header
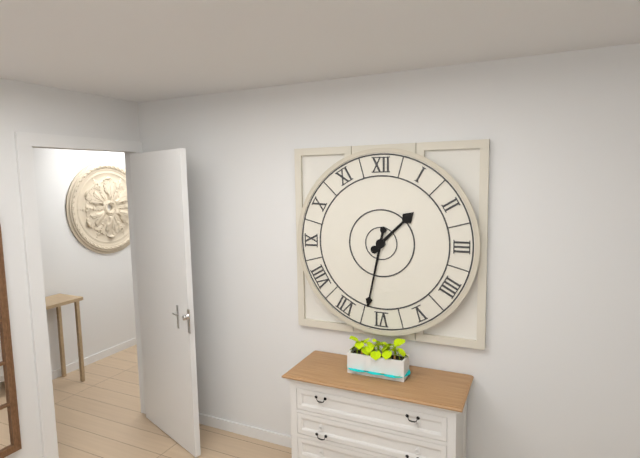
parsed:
1:32
